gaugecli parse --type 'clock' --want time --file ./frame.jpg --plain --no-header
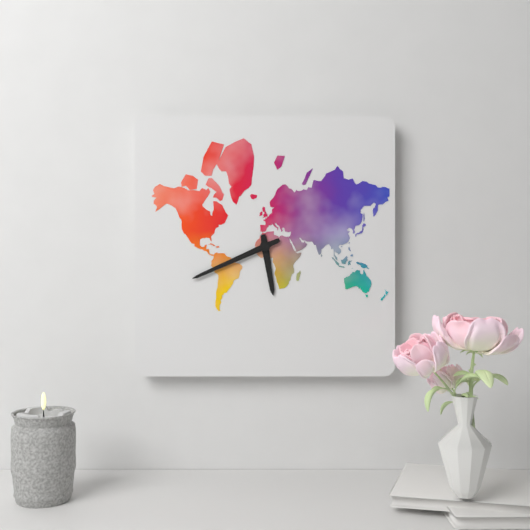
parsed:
5:41
